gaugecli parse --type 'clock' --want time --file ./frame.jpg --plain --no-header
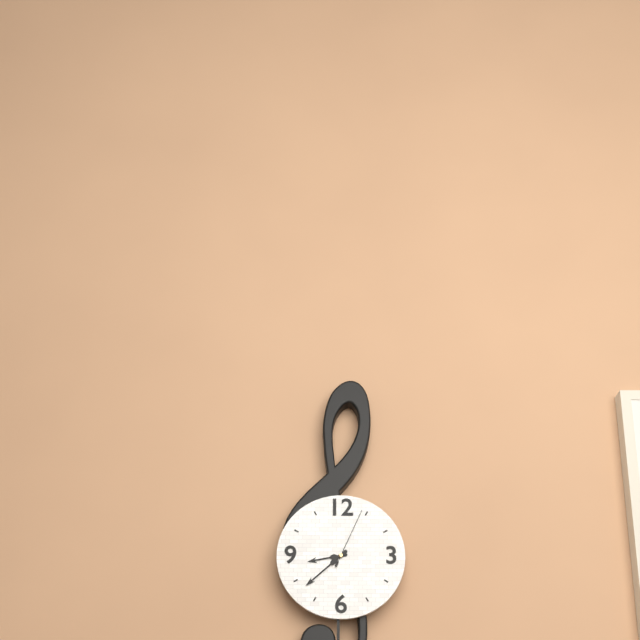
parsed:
8:38:04
